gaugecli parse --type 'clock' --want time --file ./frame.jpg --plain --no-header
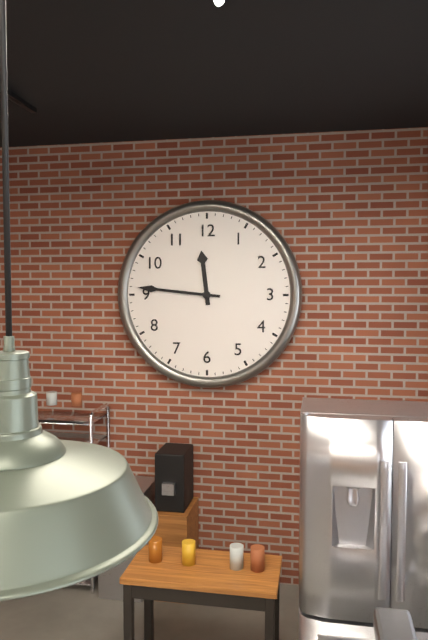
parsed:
11:46
